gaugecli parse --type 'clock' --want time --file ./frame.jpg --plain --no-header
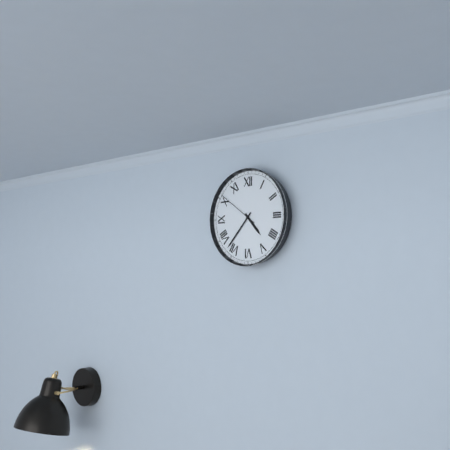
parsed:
4:37
